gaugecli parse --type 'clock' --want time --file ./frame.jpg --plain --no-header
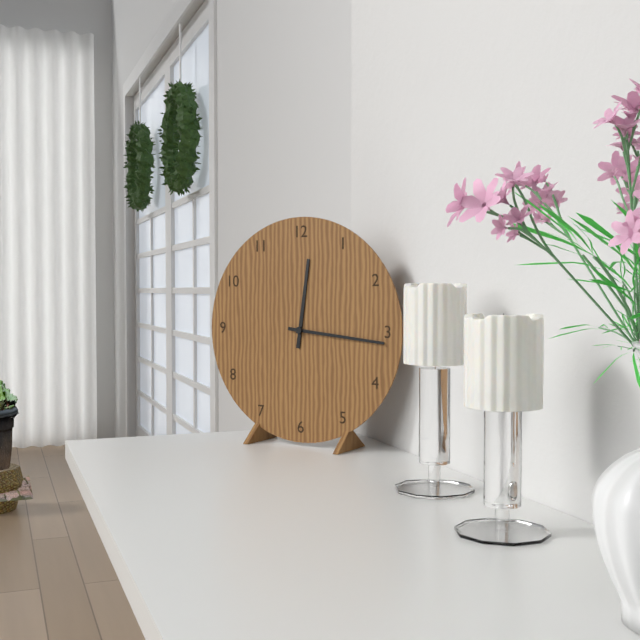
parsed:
12:16
